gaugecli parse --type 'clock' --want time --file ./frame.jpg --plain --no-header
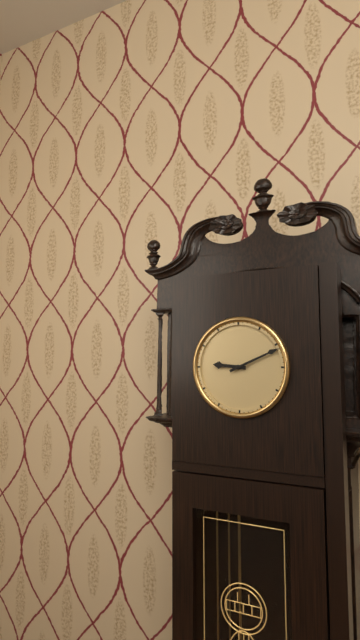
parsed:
9:11
